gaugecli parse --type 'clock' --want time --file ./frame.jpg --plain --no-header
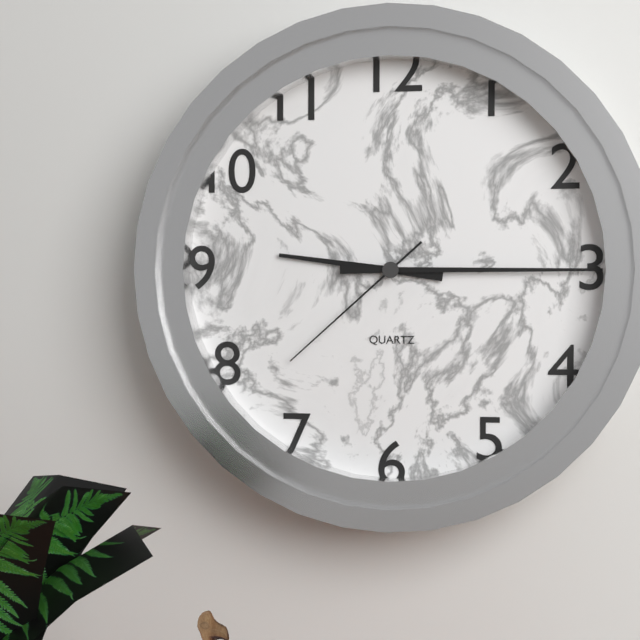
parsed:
9:15:38
